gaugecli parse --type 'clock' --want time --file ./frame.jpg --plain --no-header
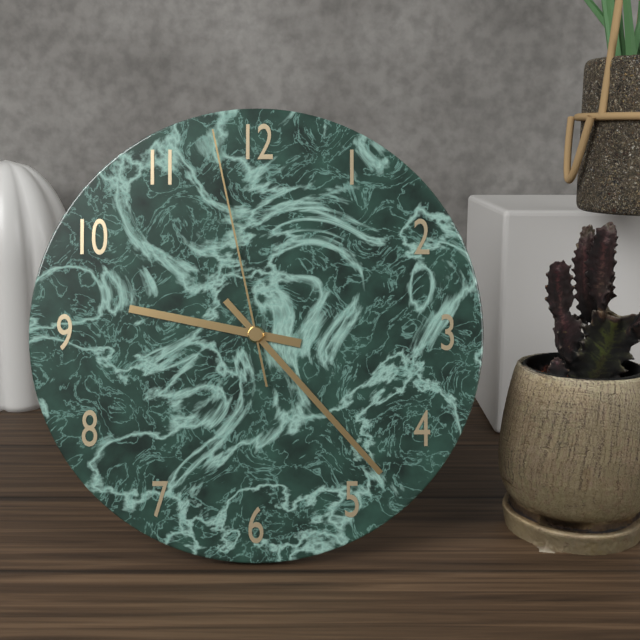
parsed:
9:23:58
